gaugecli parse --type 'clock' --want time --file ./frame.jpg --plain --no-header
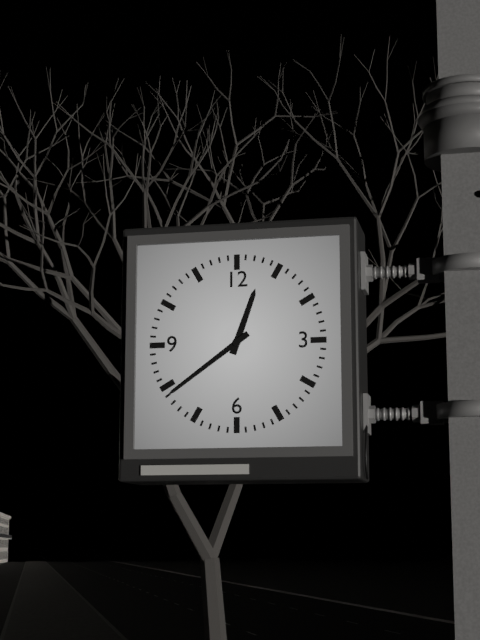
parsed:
12:39
